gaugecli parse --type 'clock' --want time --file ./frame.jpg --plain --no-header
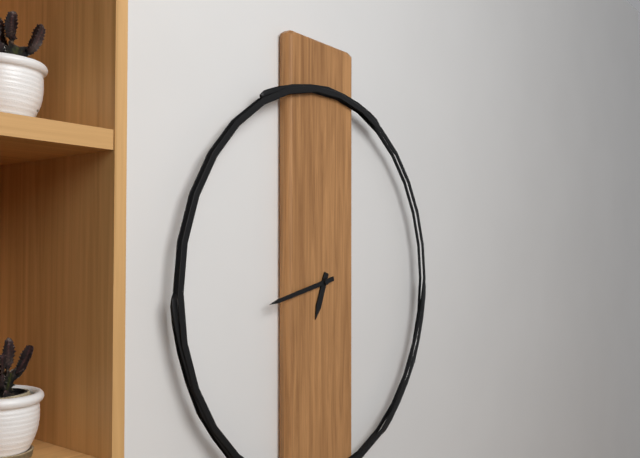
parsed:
6:43
